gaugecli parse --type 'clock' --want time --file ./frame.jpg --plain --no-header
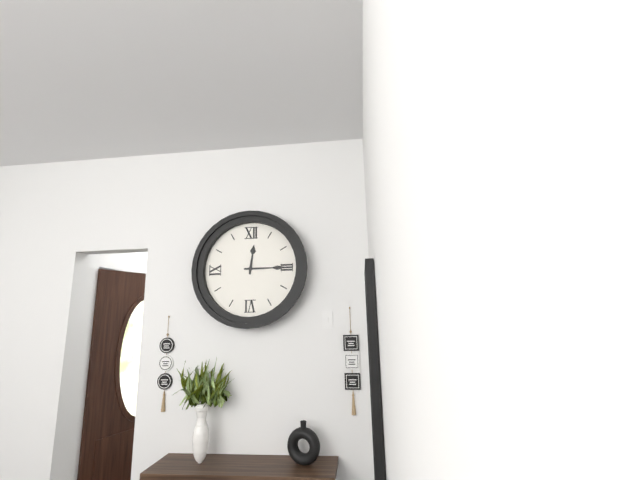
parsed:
12:15
